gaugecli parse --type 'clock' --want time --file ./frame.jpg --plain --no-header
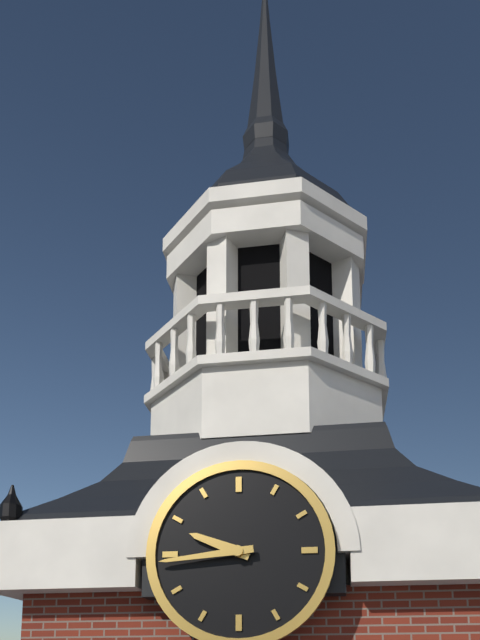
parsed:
9:44
